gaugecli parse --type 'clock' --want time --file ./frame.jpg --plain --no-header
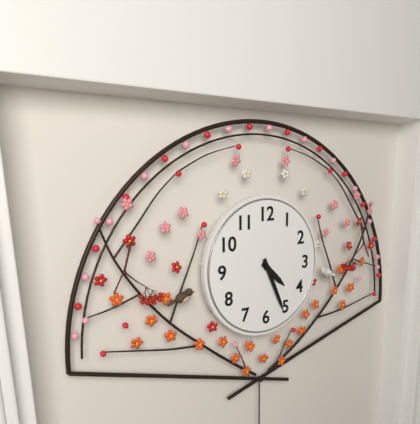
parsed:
4:26
